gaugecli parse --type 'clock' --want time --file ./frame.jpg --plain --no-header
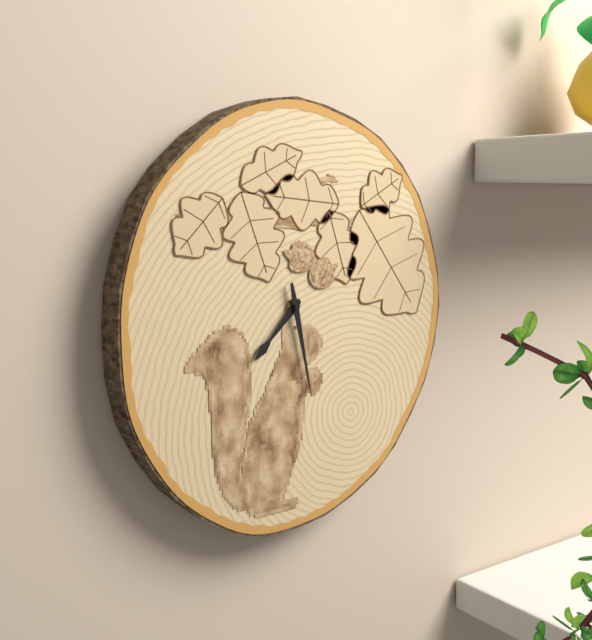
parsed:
7:28
